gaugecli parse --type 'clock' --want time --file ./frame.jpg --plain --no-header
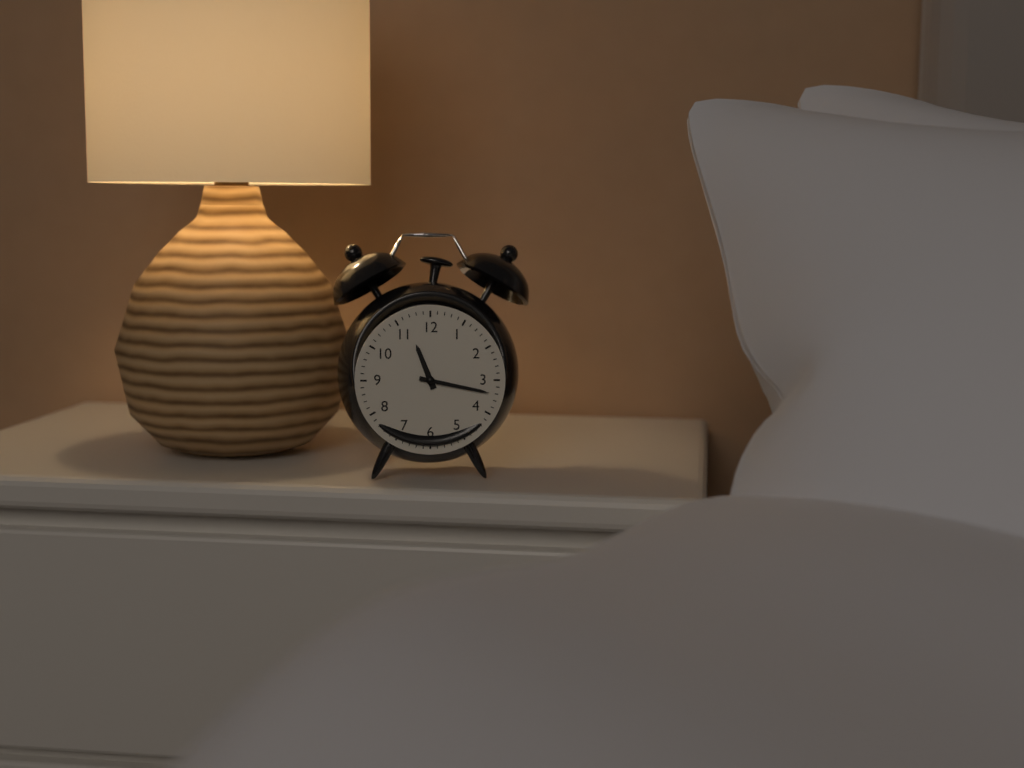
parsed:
11:17
